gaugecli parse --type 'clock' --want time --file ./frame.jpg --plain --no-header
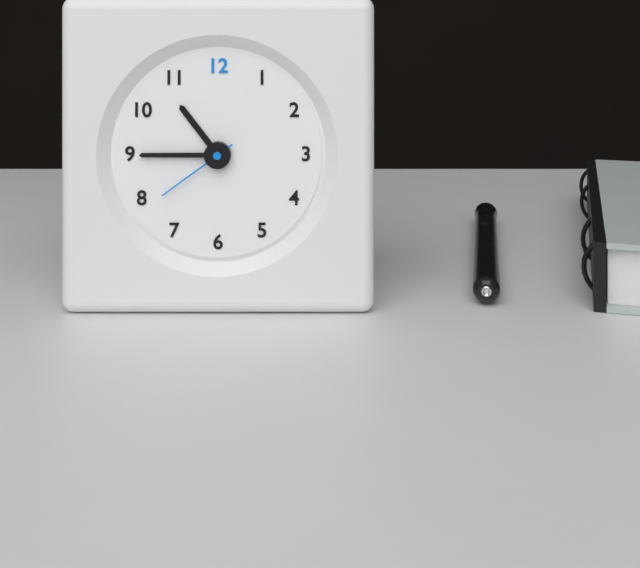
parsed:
10:45:39
